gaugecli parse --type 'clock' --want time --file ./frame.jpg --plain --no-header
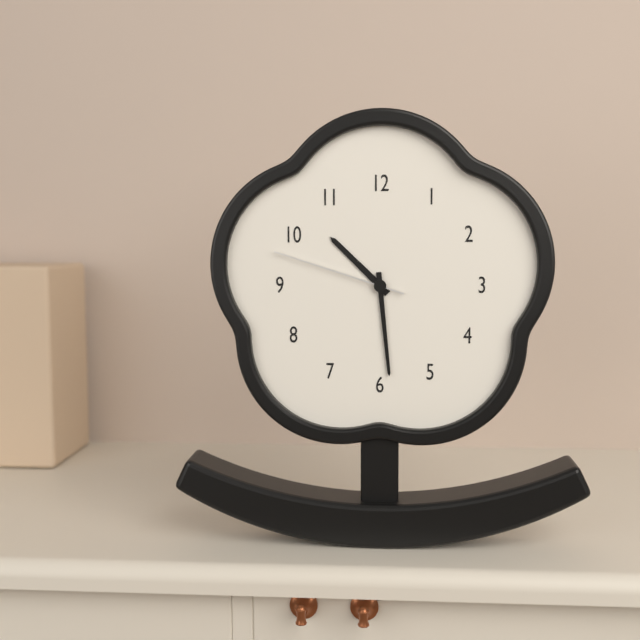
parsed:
10:29:48
